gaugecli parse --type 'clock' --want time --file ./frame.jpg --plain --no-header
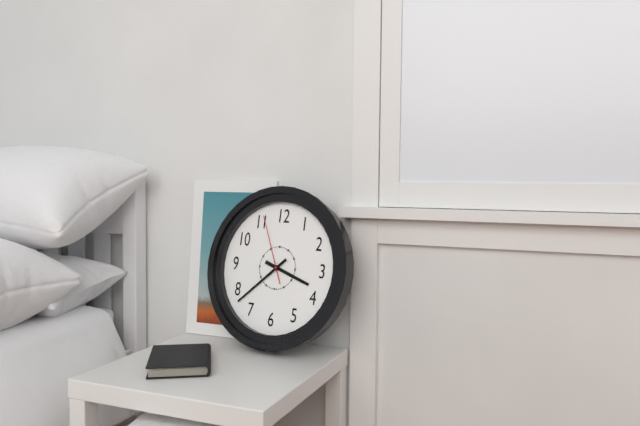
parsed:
3:38:56
